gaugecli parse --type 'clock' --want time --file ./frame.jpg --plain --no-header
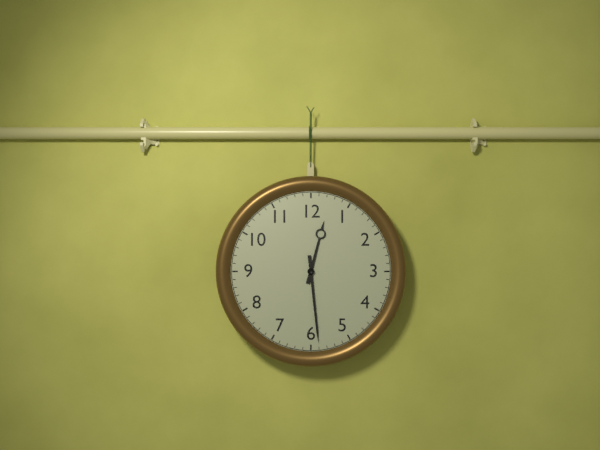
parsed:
12:29
